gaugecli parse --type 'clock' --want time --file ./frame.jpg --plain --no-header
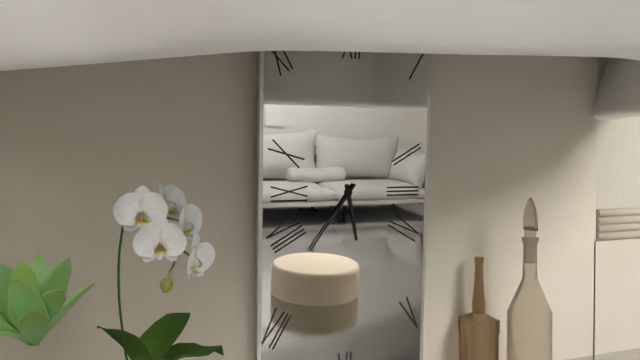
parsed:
5:36
